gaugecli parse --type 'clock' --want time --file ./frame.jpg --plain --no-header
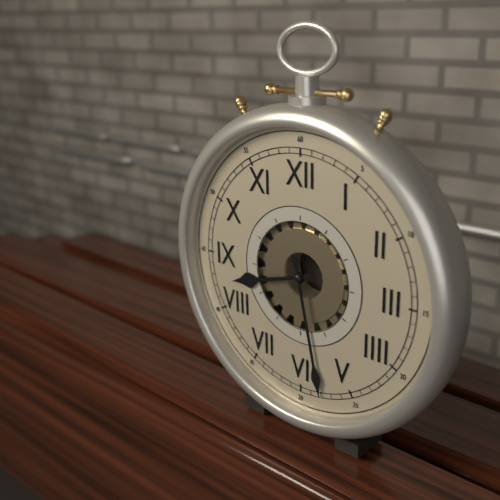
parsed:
8:28
